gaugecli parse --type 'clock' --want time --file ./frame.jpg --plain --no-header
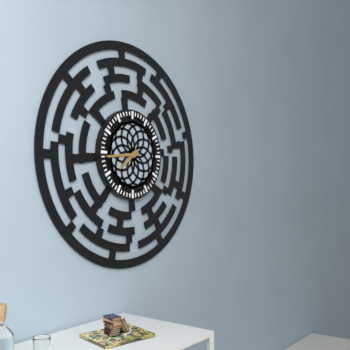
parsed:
7:44
